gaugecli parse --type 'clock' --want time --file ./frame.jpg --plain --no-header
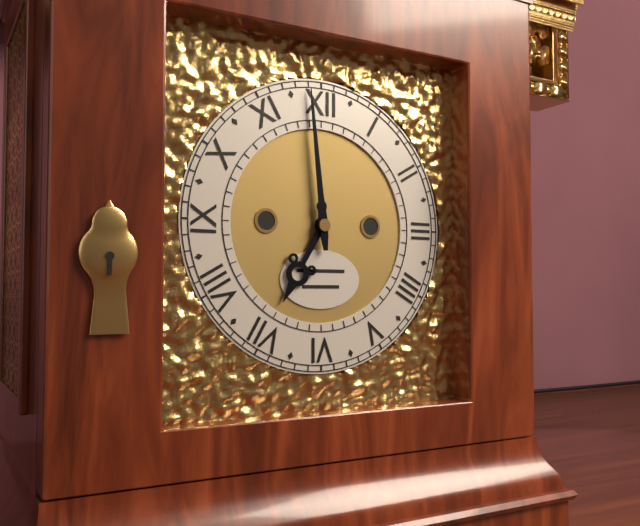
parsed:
6:59
